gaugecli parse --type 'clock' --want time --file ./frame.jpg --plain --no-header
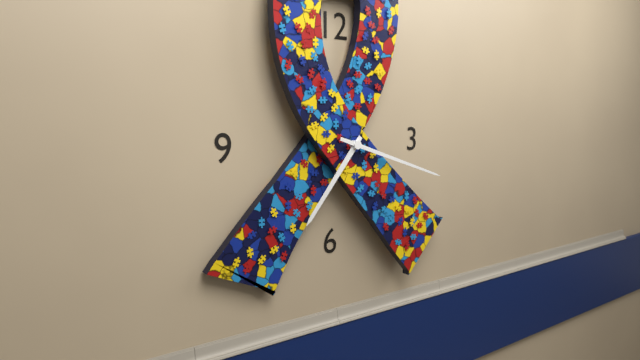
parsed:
7:18
